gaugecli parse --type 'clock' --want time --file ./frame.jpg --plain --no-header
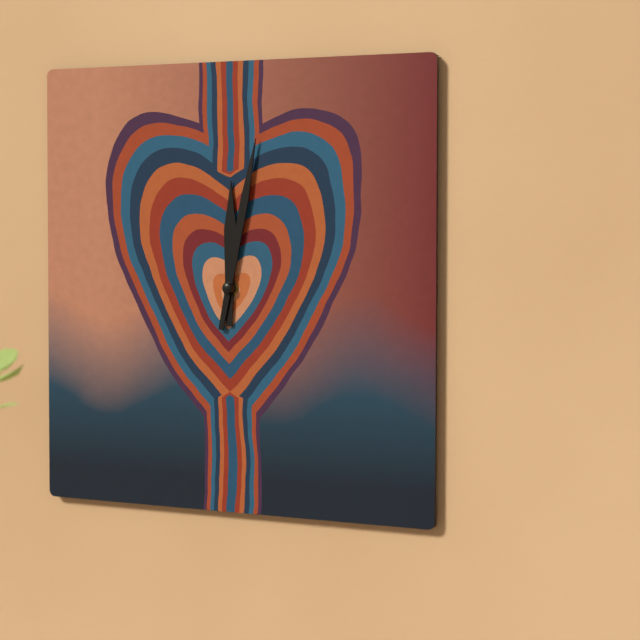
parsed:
12:02
